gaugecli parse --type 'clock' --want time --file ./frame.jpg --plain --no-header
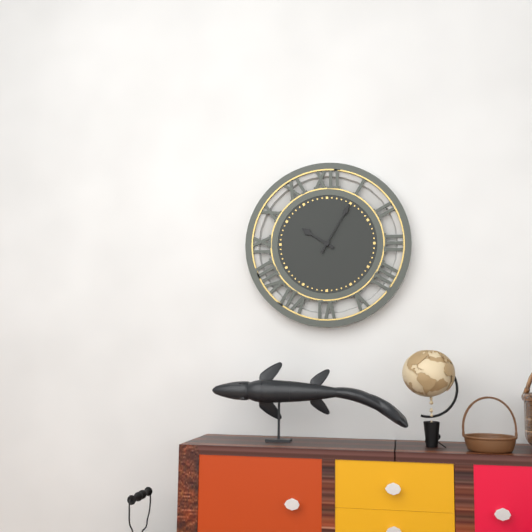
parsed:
10:05
